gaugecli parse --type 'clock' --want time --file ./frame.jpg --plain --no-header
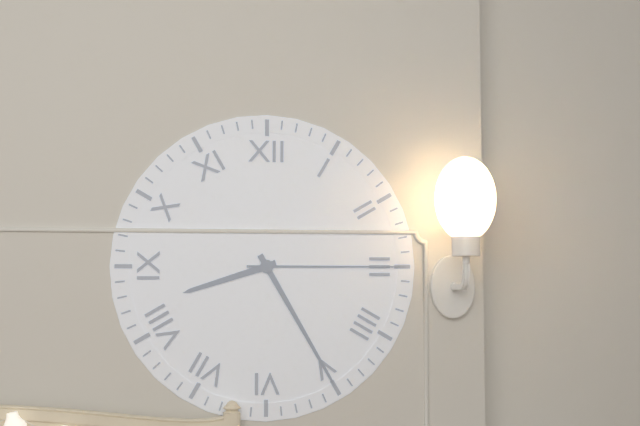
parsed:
8:25:15
